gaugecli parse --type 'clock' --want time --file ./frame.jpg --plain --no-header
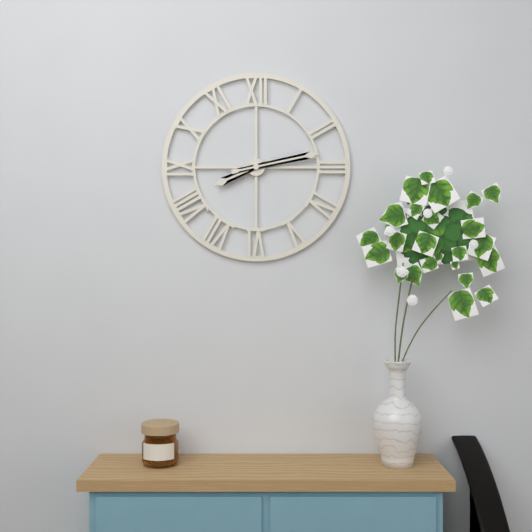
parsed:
8:13
